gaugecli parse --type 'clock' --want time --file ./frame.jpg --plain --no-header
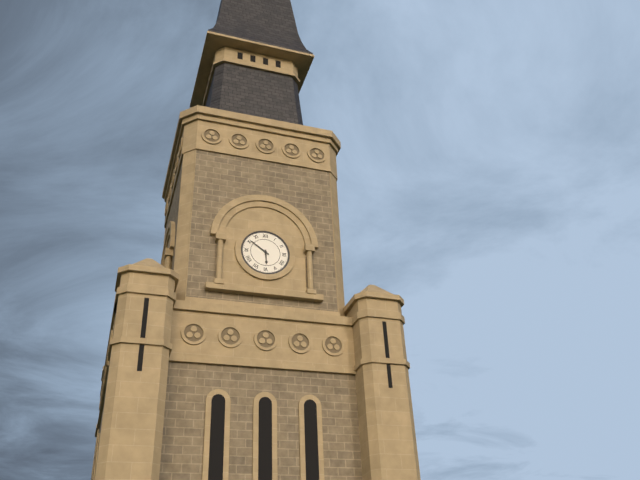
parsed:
5:51
